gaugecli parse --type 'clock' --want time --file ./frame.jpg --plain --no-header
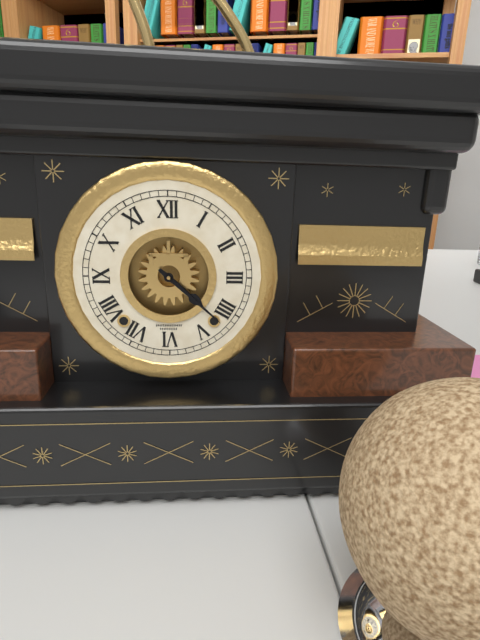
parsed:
4:22
